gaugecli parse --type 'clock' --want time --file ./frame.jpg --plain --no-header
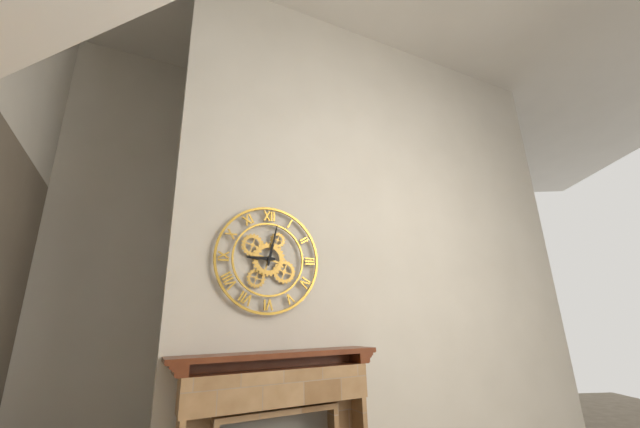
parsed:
9:02
